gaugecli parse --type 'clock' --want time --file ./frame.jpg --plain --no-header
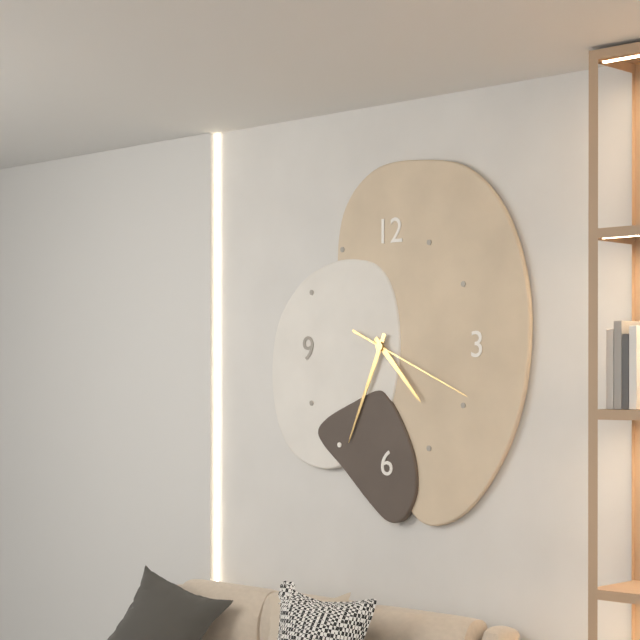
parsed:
4:34:19
